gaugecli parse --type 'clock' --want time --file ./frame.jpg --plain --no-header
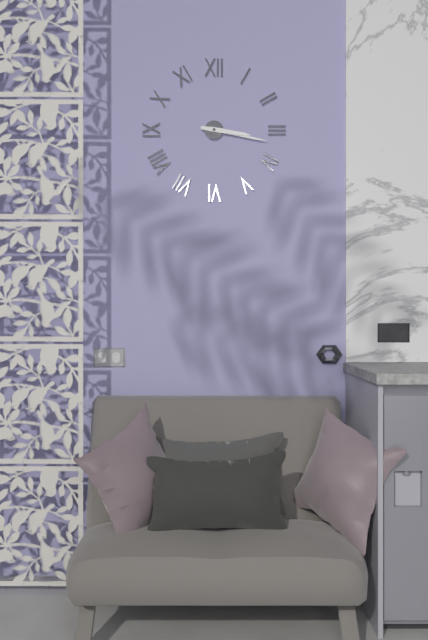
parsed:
3:17
